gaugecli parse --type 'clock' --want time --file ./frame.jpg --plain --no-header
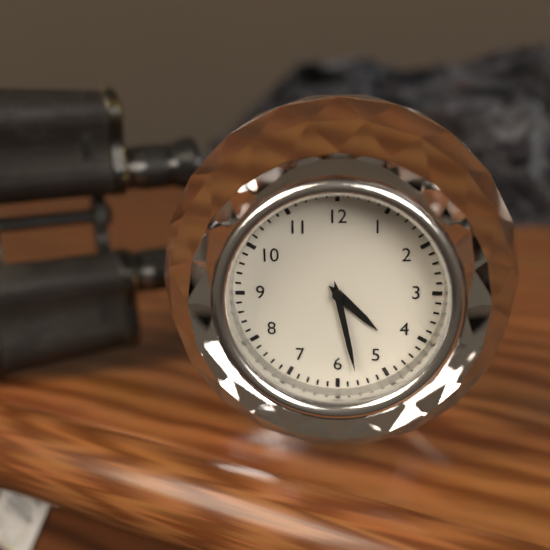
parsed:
4:28
